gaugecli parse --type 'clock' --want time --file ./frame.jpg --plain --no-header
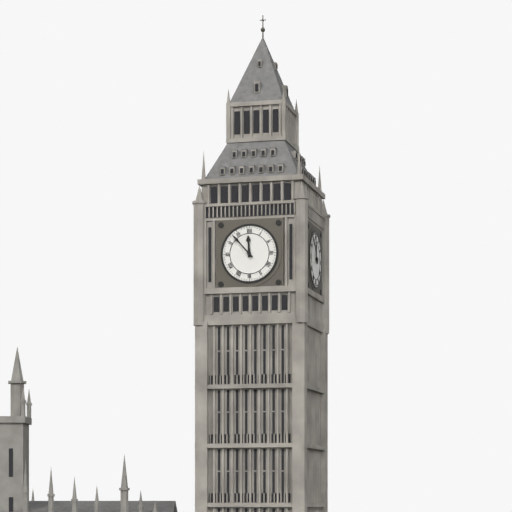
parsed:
11:53
